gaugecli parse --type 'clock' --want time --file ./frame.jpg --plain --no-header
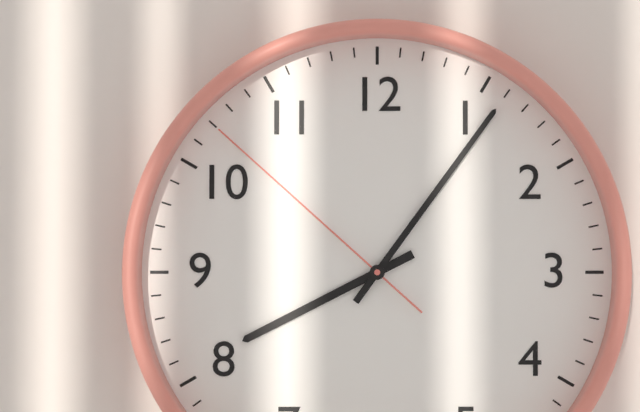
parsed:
8:06:52
